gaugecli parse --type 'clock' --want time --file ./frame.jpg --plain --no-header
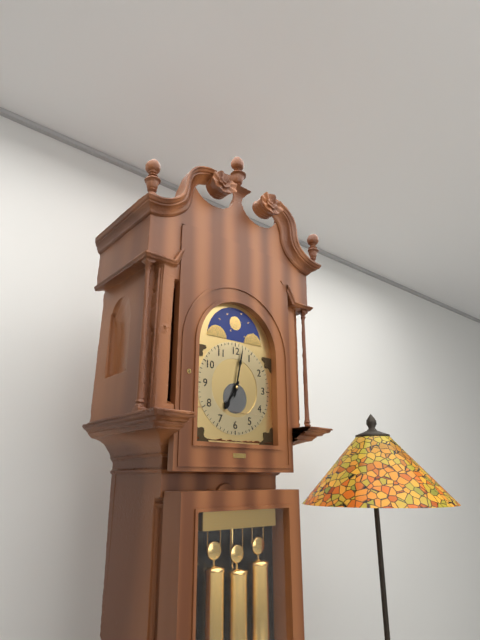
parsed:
7:02
